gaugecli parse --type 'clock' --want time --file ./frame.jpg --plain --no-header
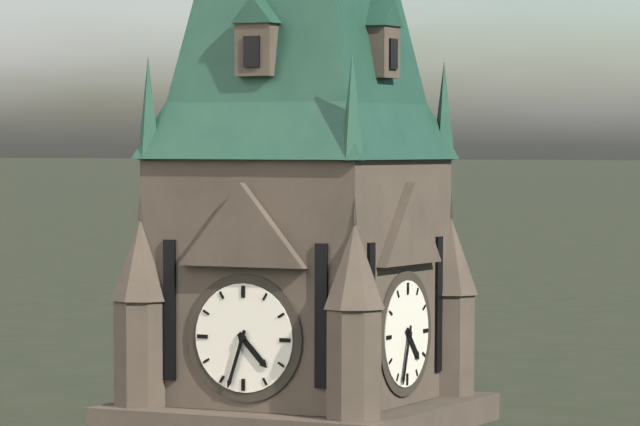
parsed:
4:33
